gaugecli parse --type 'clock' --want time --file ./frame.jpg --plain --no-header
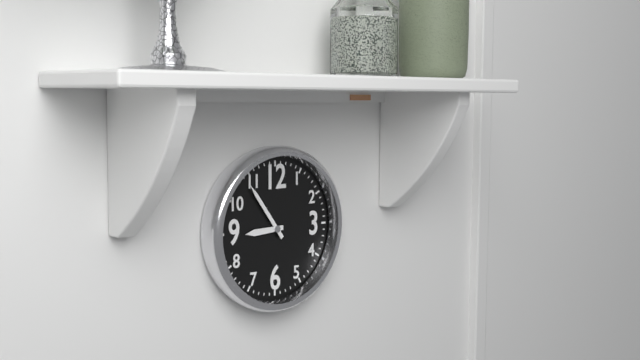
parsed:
8:54
